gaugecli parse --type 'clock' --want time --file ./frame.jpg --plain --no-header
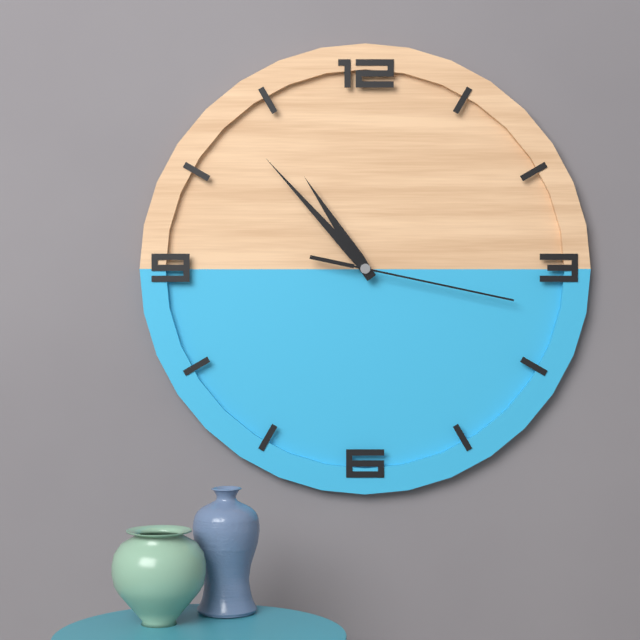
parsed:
10:53:17
